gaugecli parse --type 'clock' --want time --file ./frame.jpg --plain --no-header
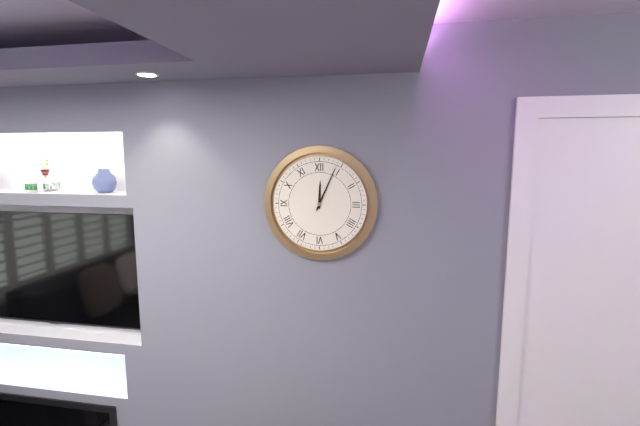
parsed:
12:04
